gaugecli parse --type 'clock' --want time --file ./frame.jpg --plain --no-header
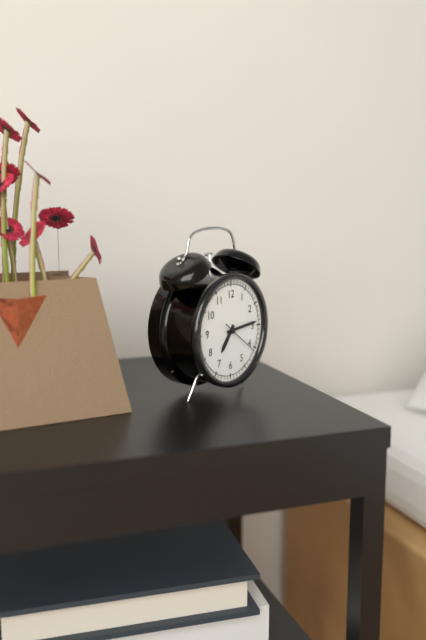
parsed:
7:14
